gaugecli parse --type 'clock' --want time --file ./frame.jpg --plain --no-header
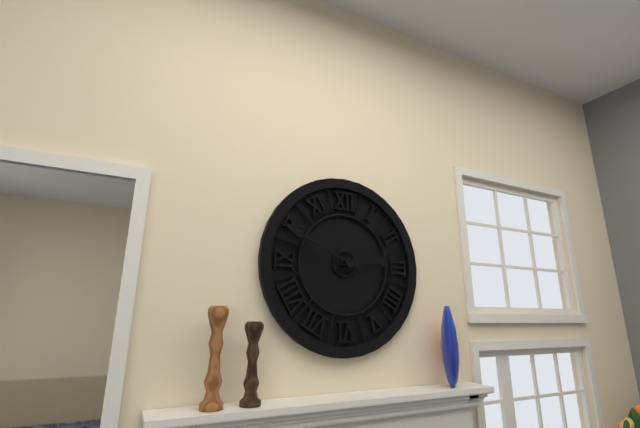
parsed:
2:49
